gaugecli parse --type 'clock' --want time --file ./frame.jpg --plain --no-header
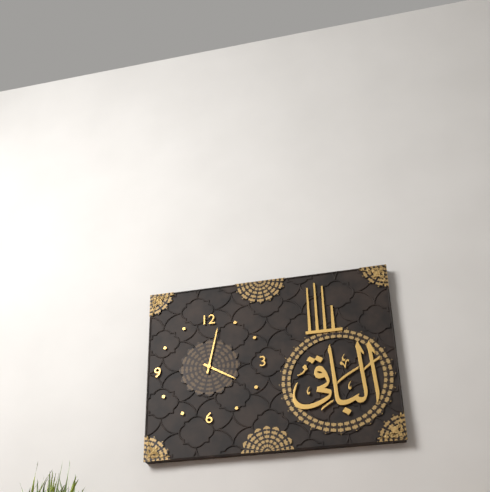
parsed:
4:02
